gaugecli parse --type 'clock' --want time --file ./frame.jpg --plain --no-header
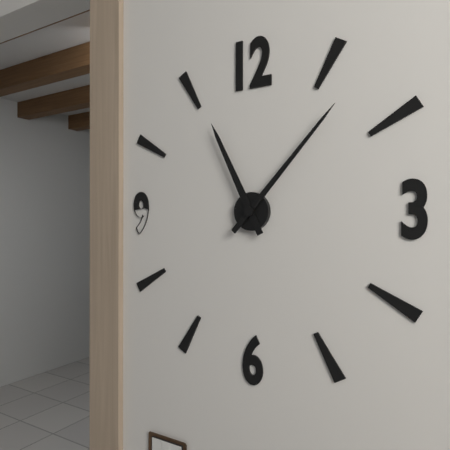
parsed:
11:07
